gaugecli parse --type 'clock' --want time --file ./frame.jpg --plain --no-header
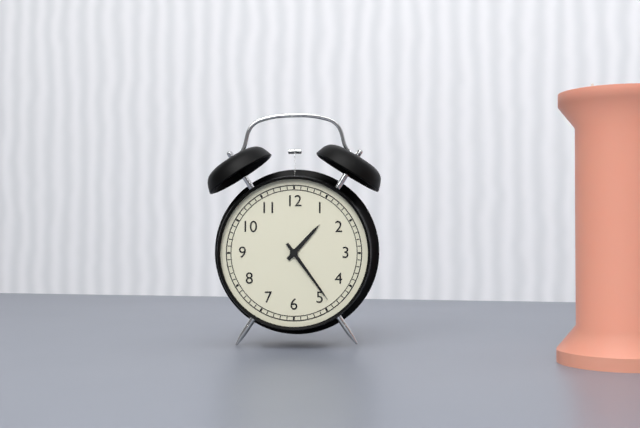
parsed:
1:24
